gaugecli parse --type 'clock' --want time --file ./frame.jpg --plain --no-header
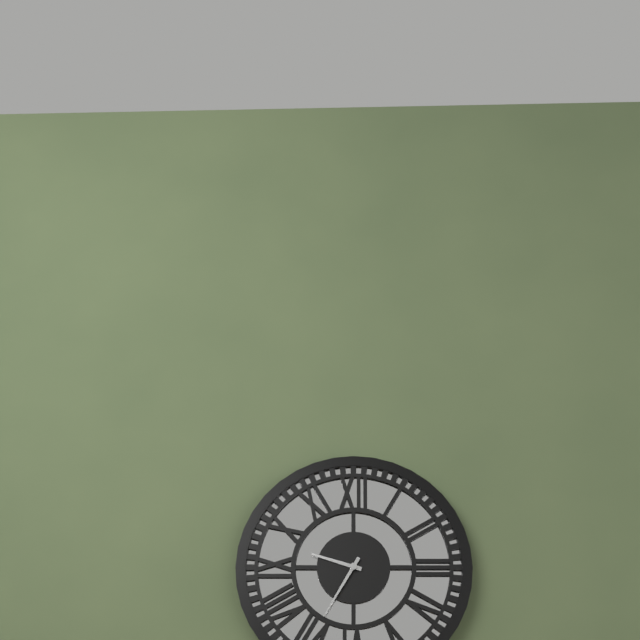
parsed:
9:35
